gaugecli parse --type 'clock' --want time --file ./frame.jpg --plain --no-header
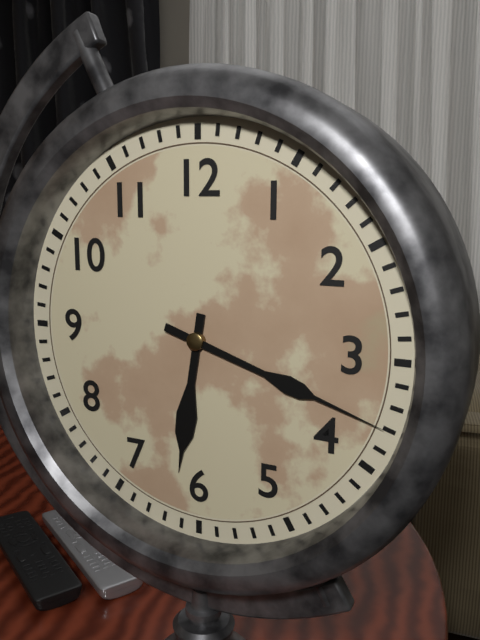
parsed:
6:18
